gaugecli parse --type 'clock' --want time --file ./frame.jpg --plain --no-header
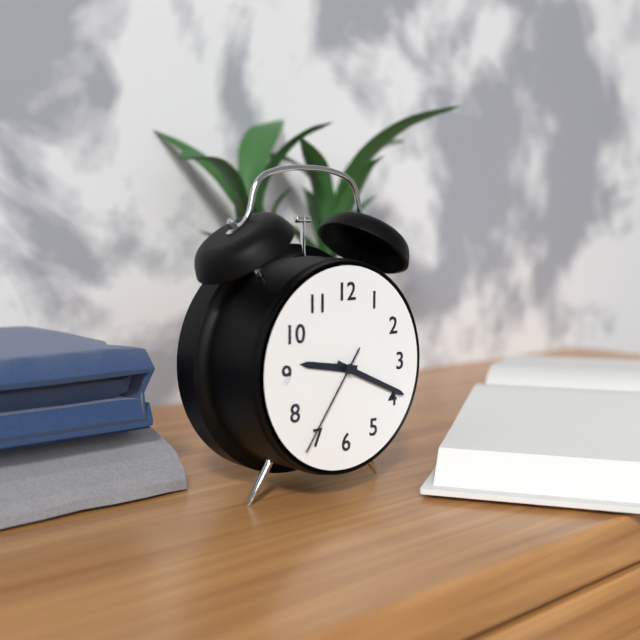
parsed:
9:19:36
